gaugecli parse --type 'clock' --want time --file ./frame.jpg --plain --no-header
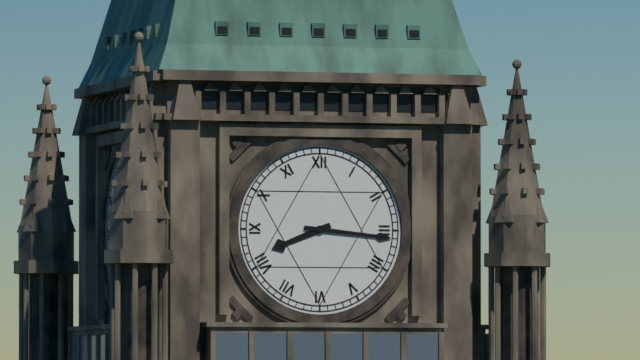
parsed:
8:16
